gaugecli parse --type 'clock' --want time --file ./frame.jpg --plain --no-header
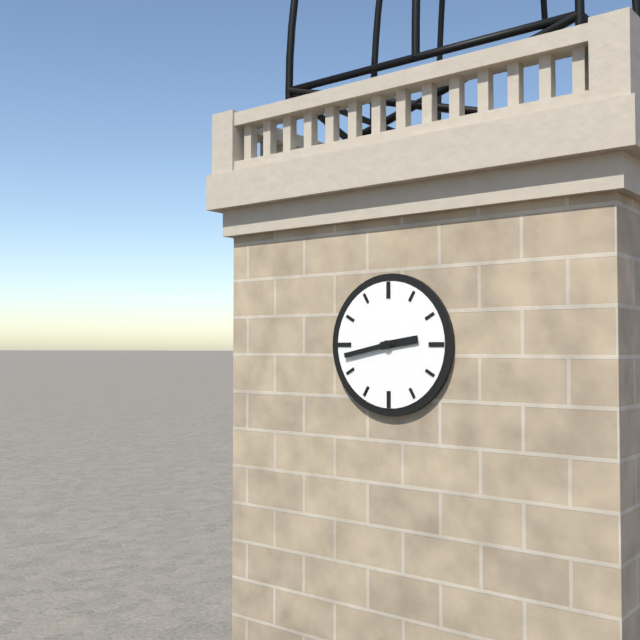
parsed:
2:43
